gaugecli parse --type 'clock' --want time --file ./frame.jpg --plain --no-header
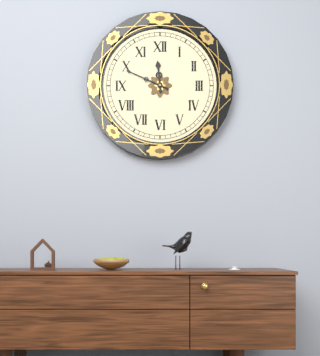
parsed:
11:49
